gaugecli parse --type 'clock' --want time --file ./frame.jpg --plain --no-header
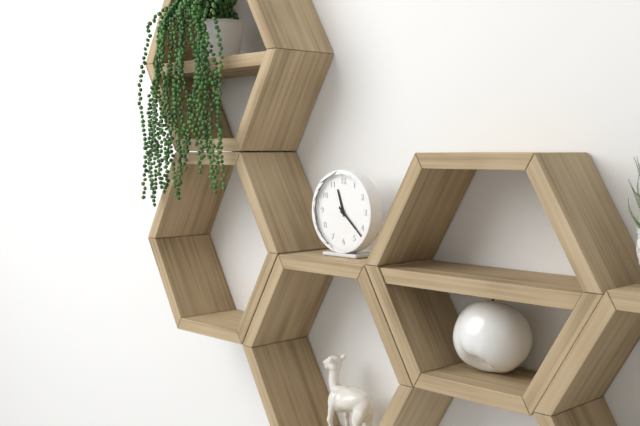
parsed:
11:22
